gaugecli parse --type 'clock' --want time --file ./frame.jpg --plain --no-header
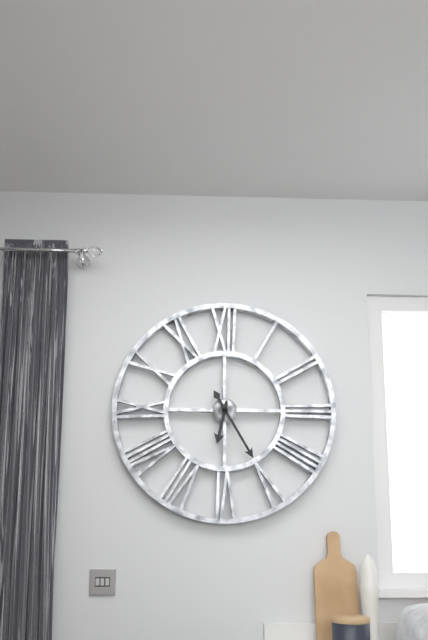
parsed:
6:25
